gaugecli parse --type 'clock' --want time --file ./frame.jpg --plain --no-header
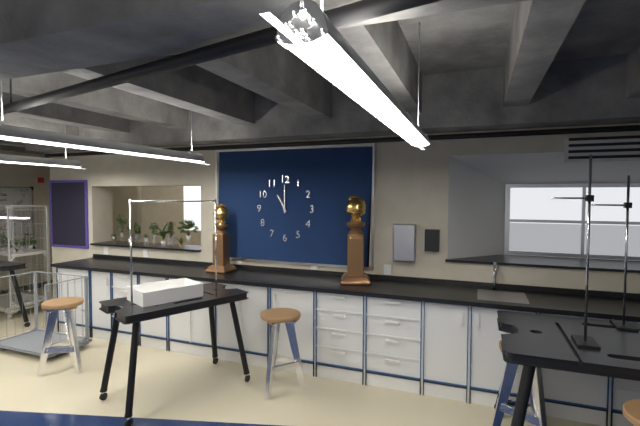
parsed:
11:00
